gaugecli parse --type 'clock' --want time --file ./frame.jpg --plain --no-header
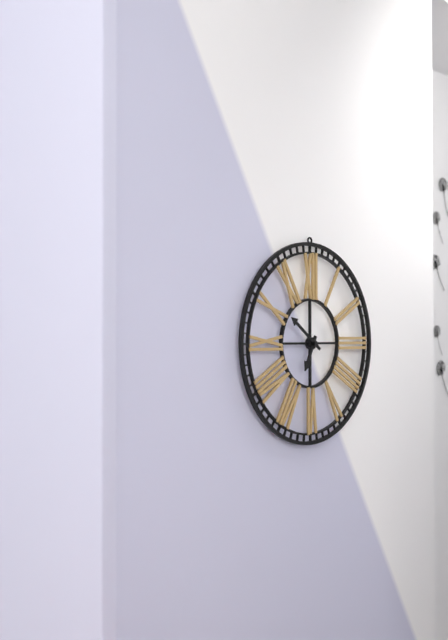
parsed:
6:51
